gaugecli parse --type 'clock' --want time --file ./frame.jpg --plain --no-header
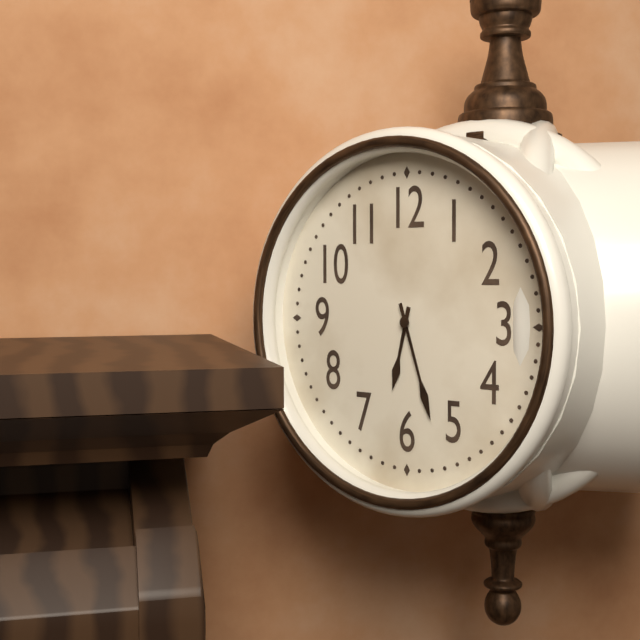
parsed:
6:27
